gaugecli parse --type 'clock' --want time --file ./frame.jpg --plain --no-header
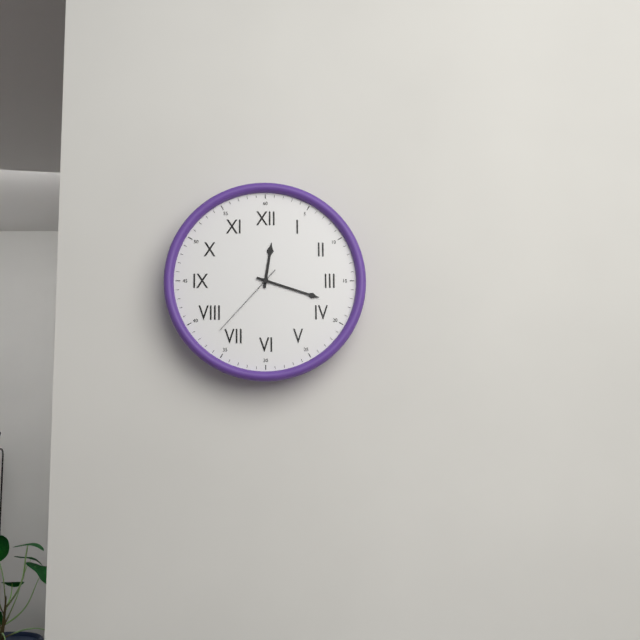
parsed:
12:18:37
